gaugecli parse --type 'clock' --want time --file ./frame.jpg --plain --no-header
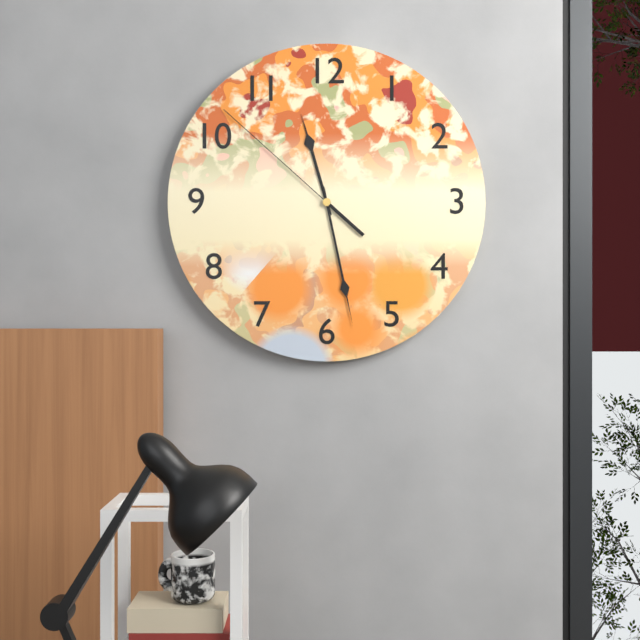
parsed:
11:28:52
